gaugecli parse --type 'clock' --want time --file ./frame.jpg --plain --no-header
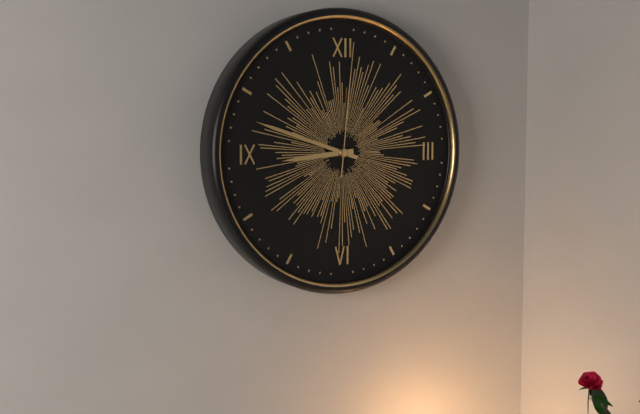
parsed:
8:48:01
